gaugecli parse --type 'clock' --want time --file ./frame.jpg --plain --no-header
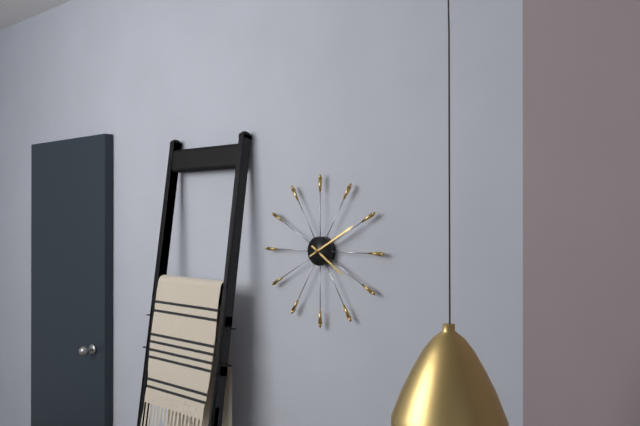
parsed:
4:10
